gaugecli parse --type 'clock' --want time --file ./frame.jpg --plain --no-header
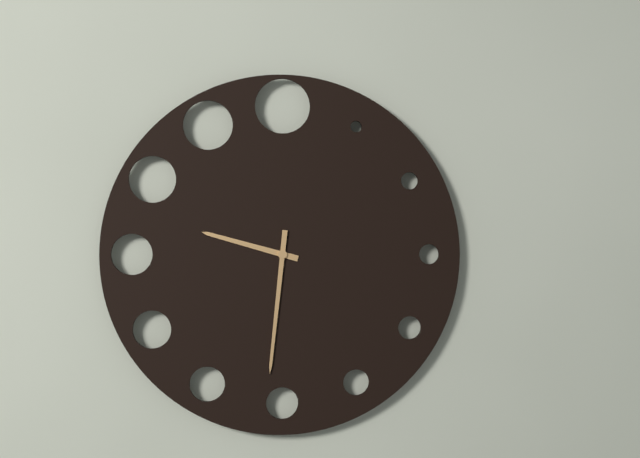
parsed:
9:31
